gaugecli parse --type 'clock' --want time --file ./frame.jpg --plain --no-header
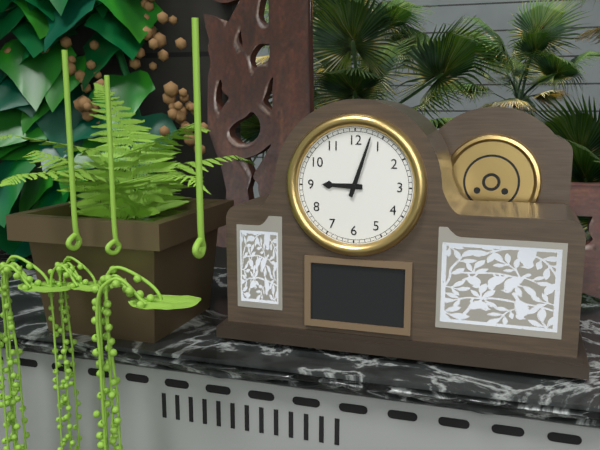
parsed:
9:03
